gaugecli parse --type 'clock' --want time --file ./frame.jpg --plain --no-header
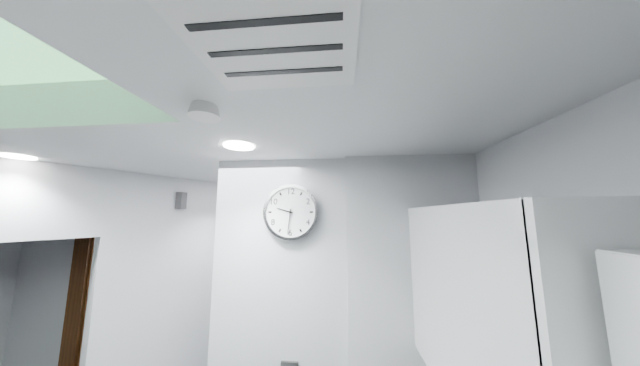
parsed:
9:31
